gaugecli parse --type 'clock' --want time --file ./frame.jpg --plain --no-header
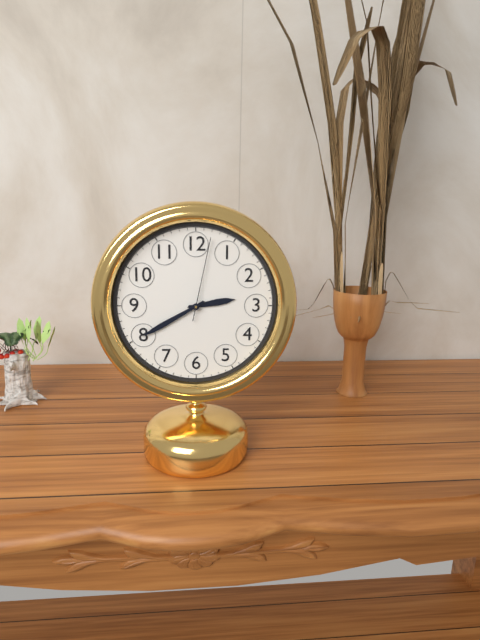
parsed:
2:40:02
